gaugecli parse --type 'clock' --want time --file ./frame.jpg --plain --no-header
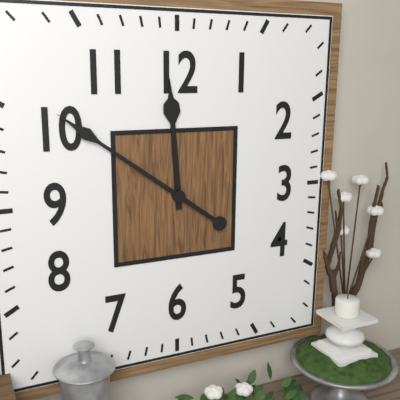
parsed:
11:51
